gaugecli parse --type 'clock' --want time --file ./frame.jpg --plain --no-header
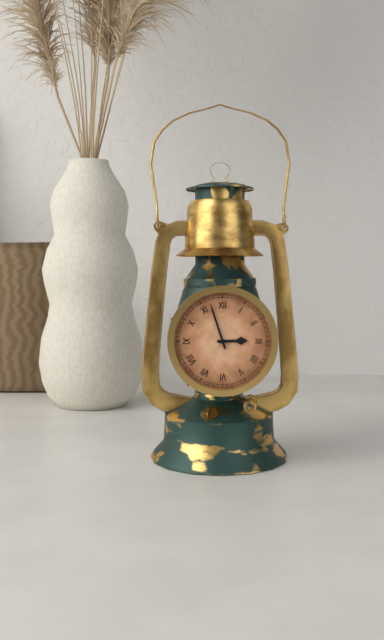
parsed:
2:57
